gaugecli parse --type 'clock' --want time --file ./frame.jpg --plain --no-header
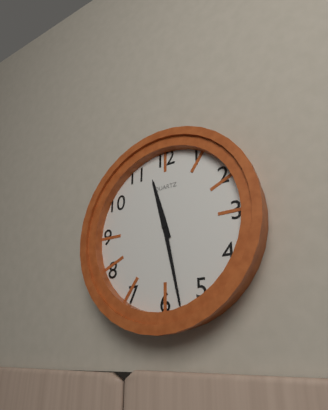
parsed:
11:28
